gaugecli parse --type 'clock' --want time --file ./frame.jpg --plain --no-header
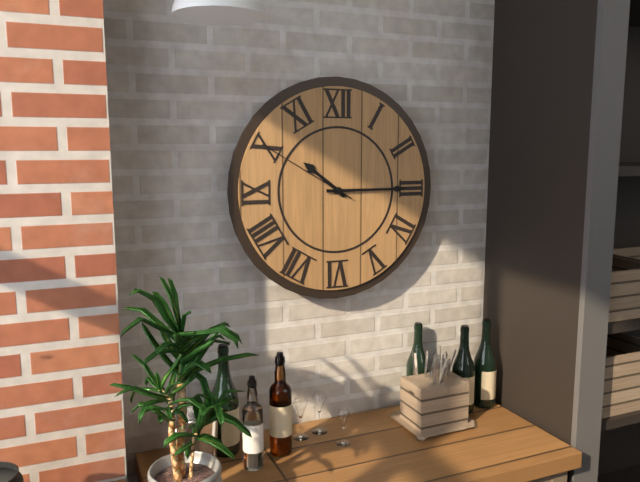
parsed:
10:15:50
